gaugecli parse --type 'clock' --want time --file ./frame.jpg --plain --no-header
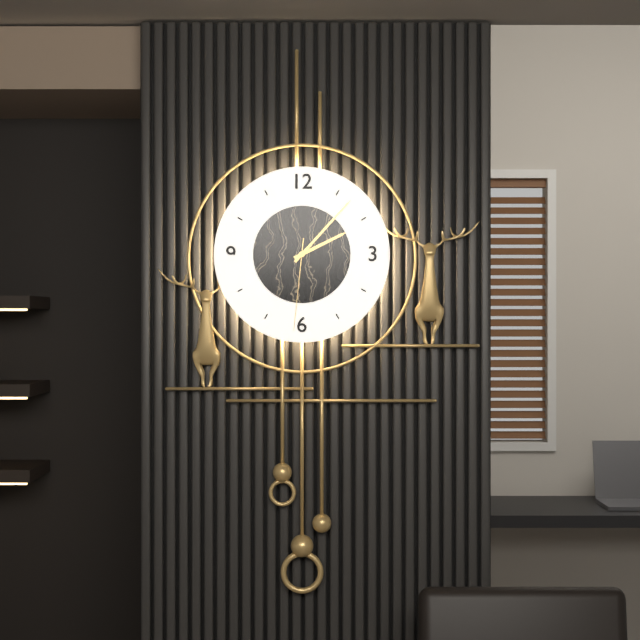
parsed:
2:07:31
